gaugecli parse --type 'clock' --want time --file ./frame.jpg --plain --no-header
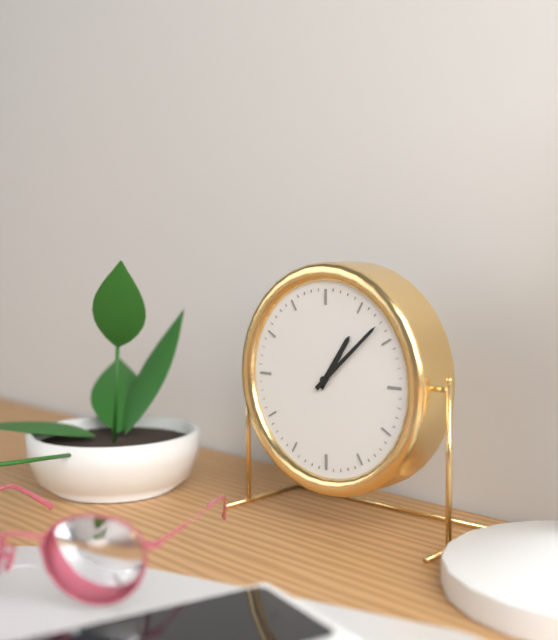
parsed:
1:08
